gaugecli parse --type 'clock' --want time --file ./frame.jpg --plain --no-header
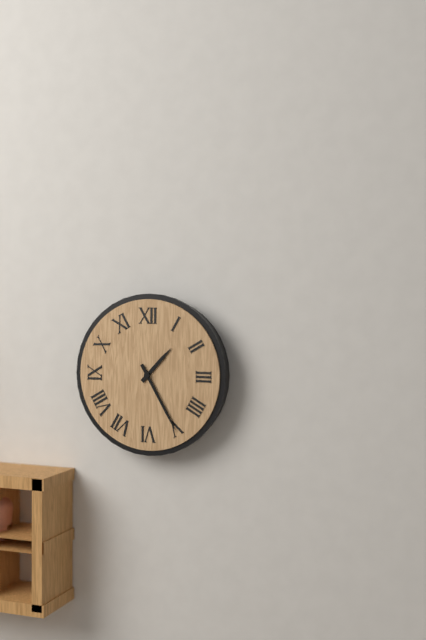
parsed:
1:25
